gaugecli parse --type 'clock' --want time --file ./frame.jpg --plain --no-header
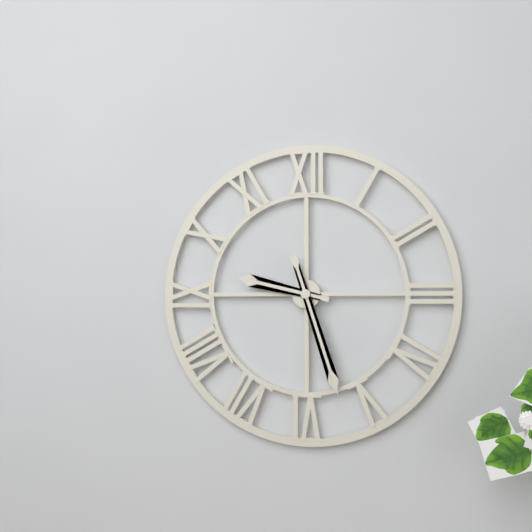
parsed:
9:27
